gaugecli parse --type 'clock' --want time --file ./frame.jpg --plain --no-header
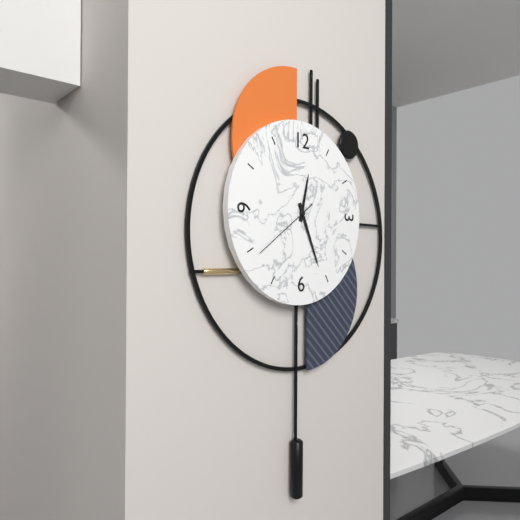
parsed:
12:26:39
